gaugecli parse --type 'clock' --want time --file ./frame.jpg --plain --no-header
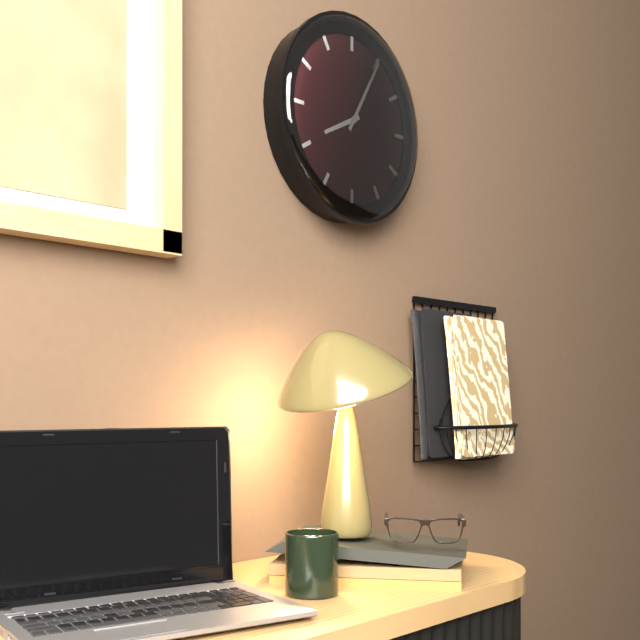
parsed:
8:05
